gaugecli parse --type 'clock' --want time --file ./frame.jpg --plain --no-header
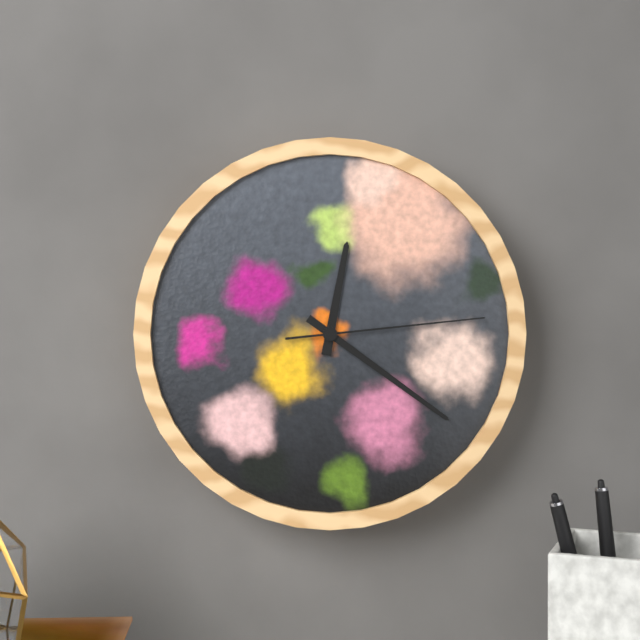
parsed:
12:21:14
